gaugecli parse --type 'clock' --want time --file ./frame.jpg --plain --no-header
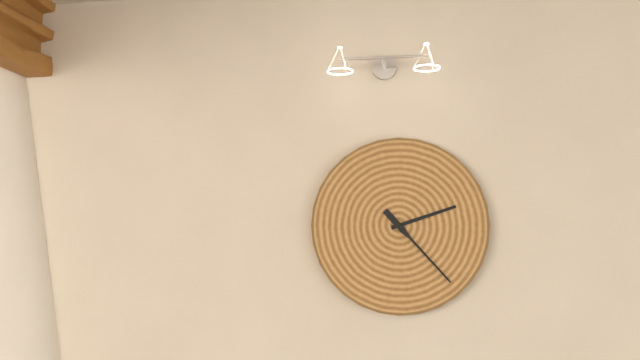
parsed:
2:23
